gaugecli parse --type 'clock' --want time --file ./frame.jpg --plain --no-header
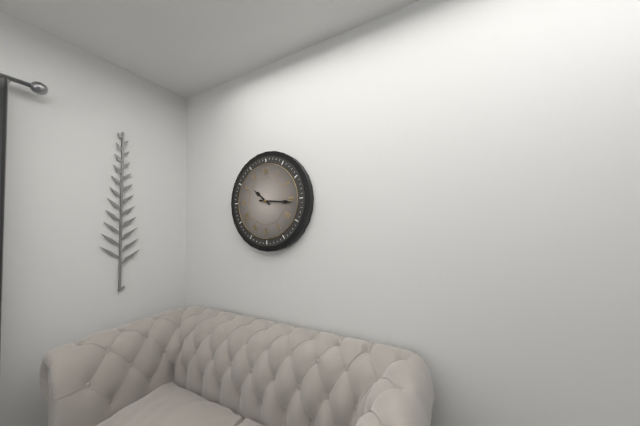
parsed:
10:16
